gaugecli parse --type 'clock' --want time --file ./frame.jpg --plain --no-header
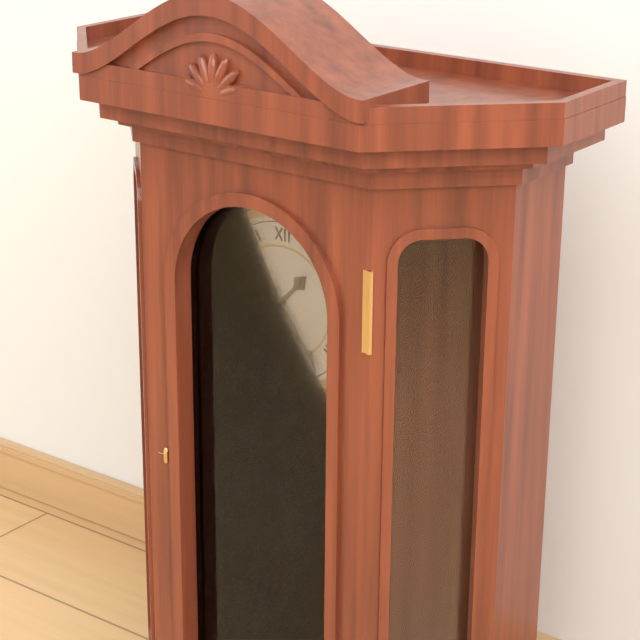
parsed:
1:24
